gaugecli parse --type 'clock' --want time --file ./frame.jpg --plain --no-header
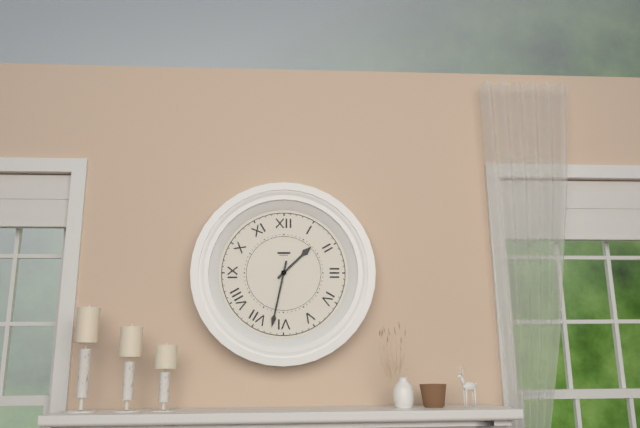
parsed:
1:32
